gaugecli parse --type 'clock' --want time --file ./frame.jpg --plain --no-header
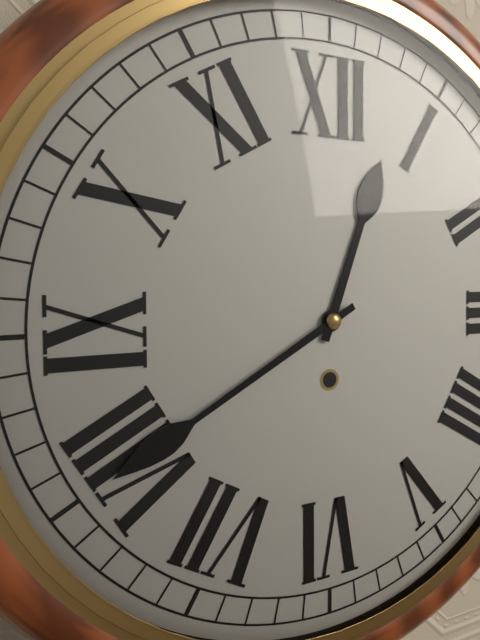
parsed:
12:40
